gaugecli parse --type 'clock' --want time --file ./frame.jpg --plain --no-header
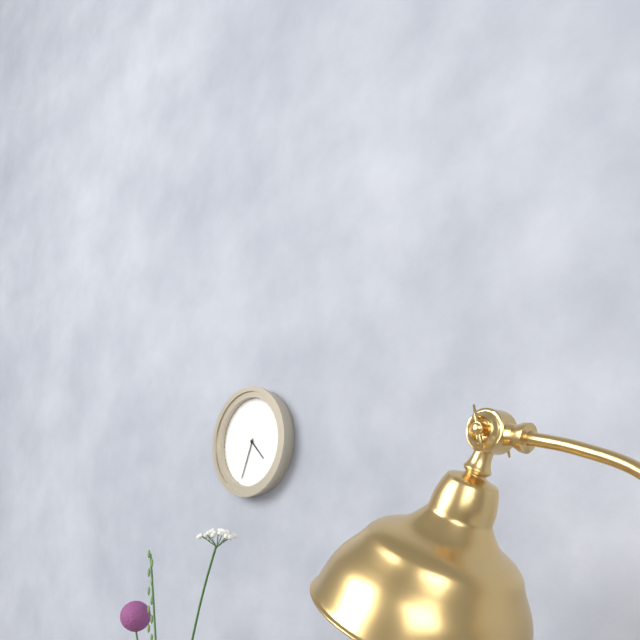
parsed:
4:34
